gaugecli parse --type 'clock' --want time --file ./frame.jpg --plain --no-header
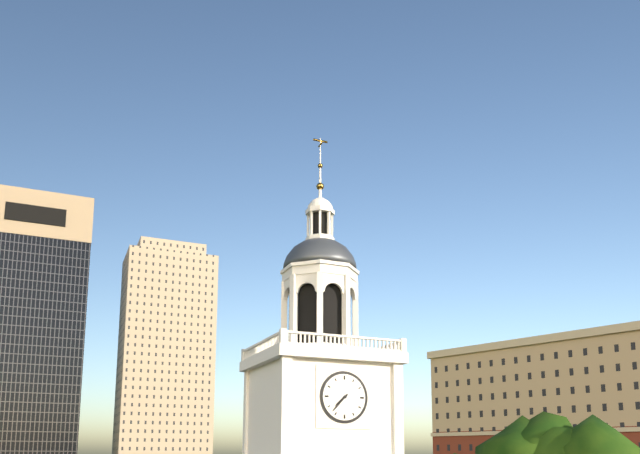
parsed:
7:37
